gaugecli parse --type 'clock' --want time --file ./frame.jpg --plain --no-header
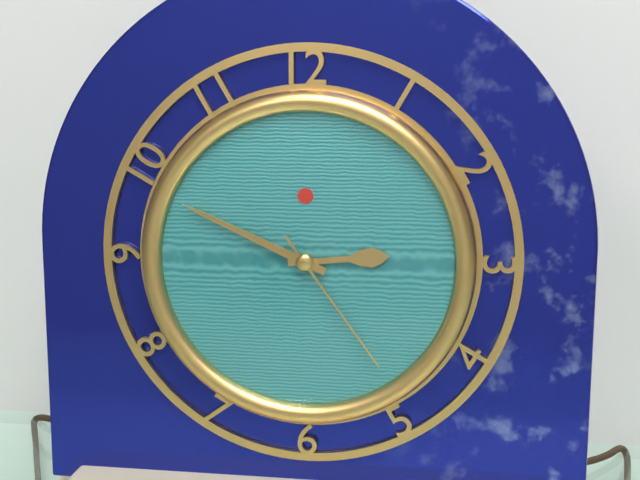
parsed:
2:49:24
